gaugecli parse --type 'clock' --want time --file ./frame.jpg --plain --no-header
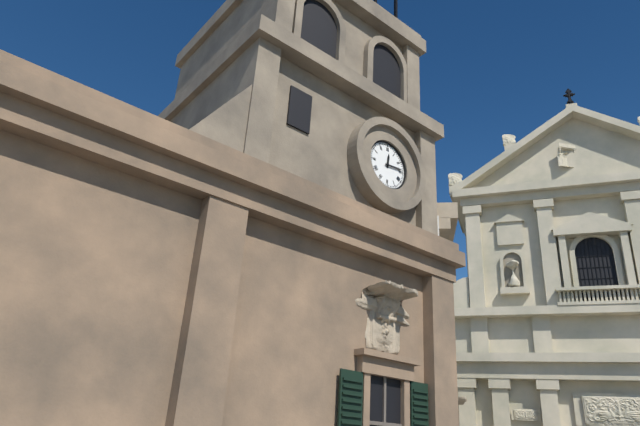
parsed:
12:14
